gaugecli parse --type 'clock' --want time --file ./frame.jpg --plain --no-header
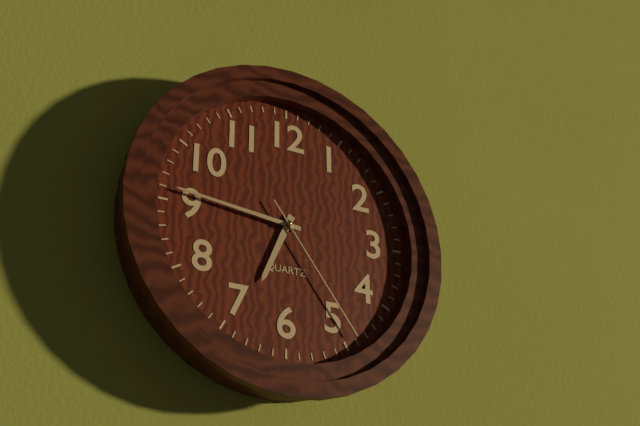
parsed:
6:46:24
